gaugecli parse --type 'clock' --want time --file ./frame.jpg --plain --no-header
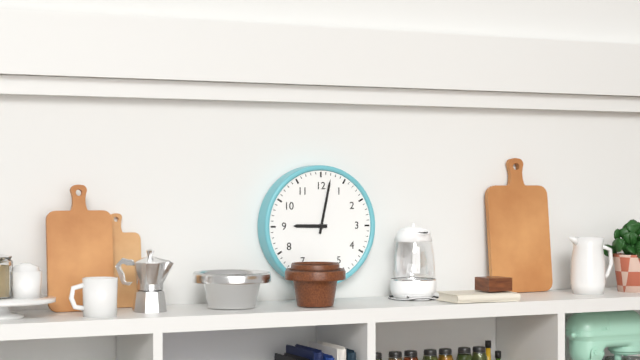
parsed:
9:02
